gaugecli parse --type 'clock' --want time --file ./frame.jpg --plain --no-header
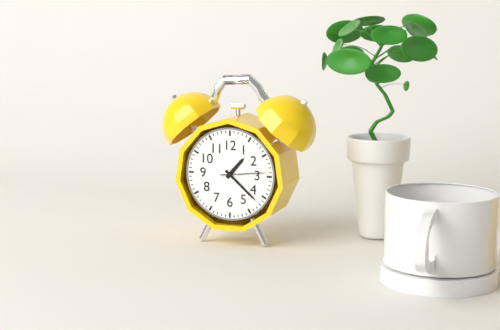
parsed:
1:22
